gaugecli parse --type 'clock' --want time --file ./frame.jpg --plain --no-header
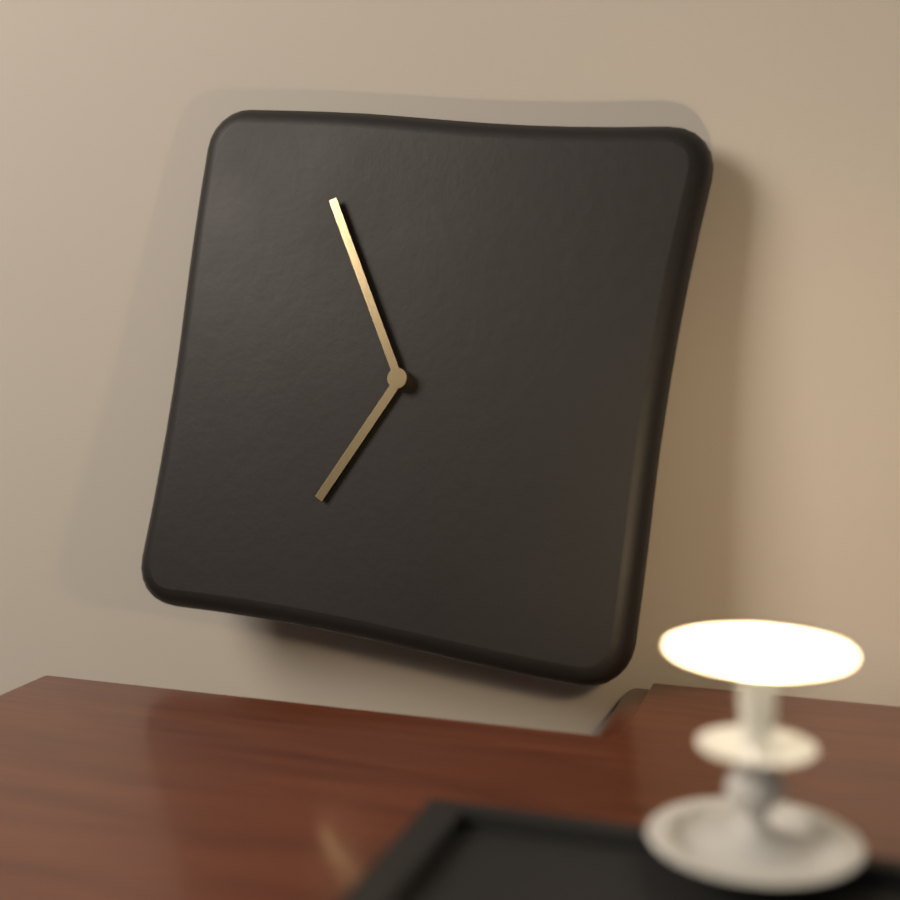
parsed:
6:55
